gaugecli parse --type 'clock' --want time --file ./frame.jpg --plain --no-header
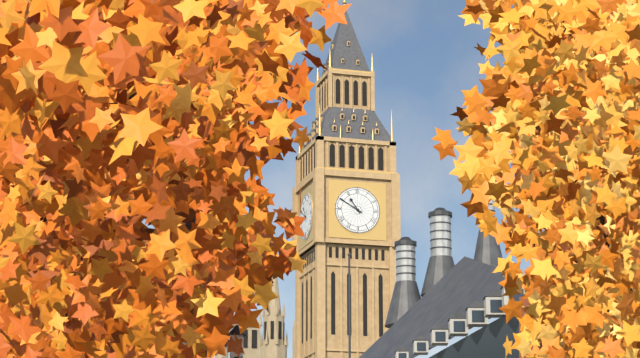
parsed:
10:50
